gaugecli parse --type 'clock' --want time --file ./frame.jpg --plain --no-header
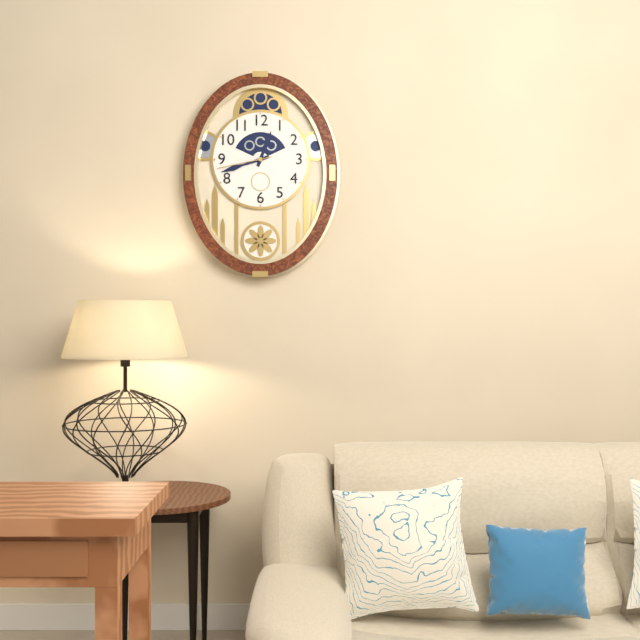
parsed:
12:42:43
